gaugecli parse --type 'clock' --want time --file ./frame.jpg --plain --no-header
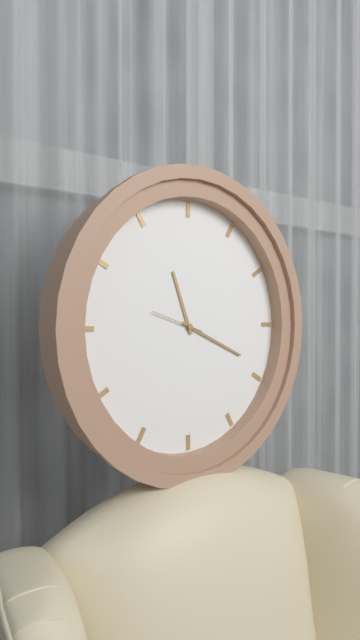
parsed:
11:19
